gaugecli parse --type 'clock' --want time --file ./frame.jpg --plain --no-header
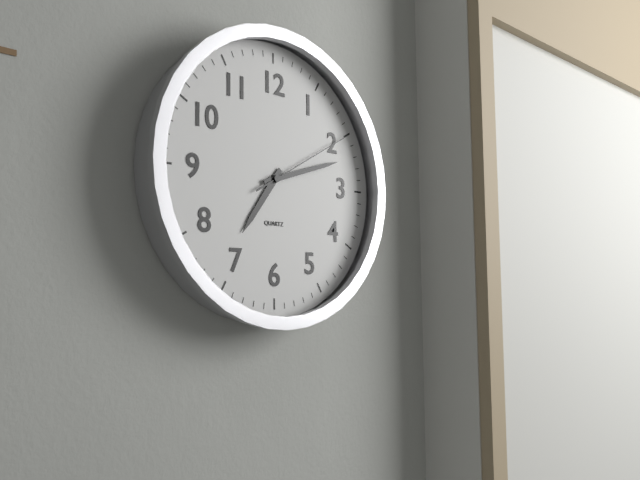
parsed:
7:12:10
